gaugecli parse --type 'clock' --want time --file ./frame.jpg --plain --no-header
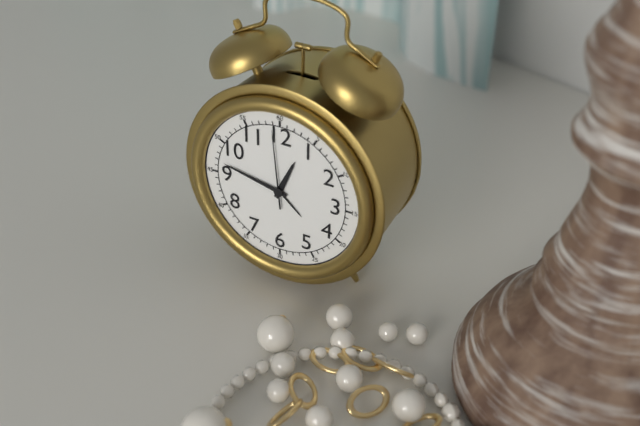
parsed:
12:47:59
